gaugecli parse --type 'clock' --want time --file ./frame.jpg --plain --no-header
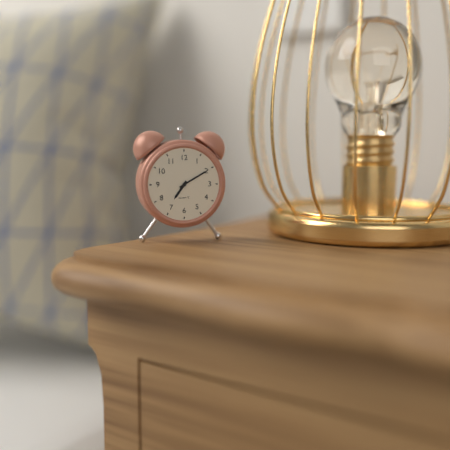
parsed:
7:10
